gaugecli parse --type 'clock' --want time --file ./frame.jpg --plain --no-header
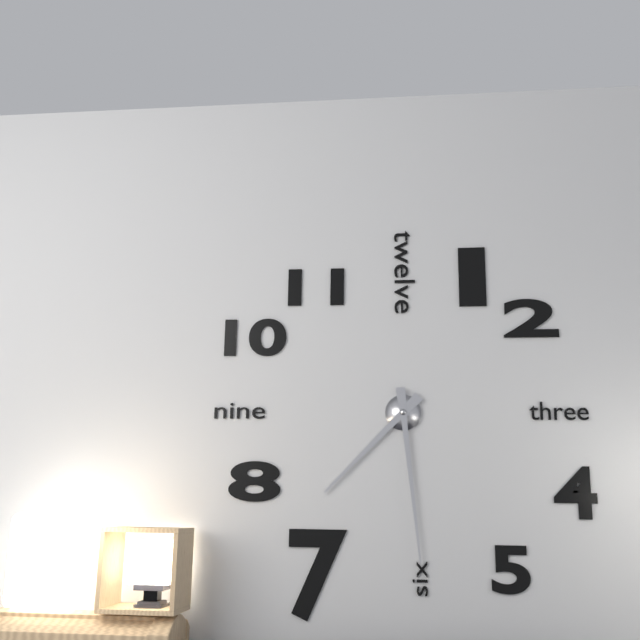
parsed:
7:29
